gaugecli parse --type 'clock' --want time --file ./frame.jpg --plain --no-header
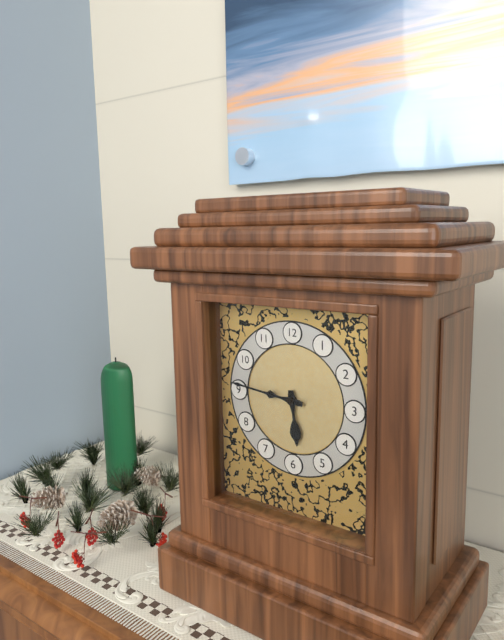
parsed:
5:46
